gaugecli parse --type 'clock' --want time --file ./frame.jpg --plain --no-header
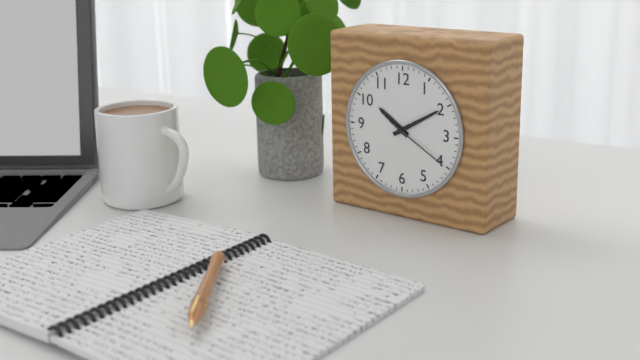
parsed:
10:10:20
